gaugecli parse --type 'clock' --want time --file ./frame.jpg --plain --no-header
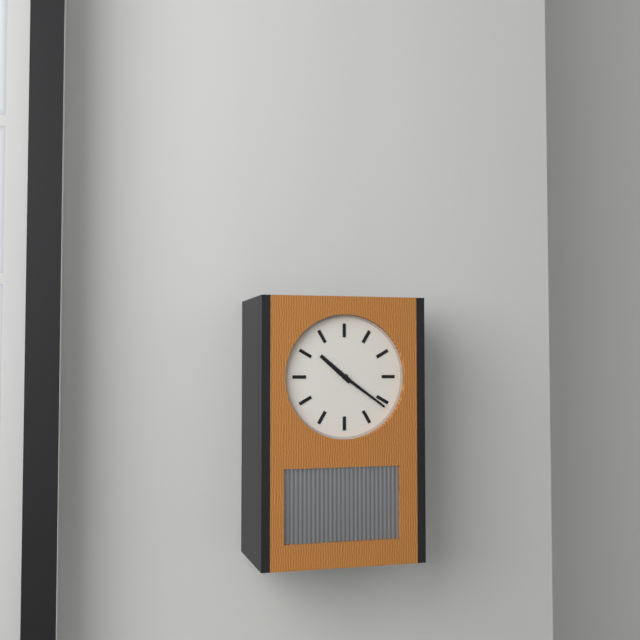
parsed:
10:21
